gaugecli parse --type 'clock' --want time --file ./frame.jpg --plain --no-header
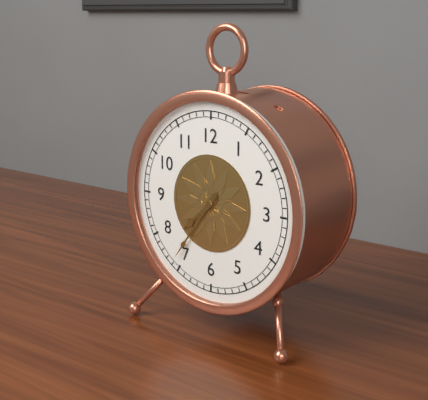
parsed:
7:36
